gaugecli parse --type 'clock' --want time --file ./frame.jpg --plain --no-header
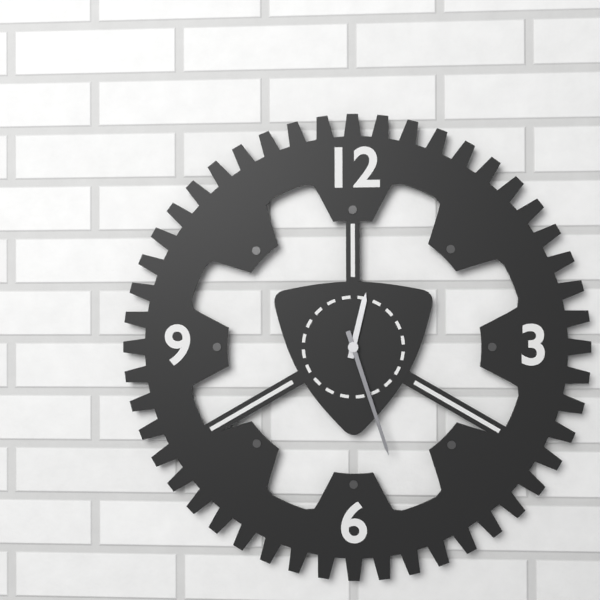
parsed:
12:27
